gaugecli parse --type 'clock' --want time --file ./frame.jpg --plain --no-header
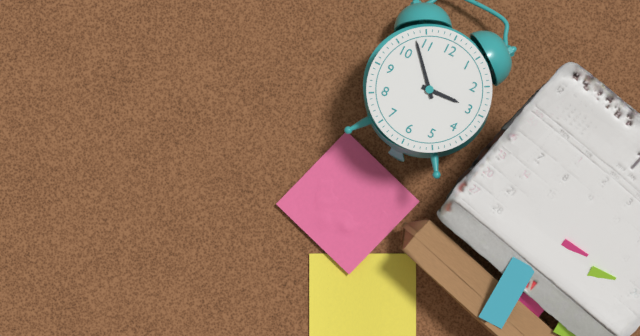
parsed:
2:53
